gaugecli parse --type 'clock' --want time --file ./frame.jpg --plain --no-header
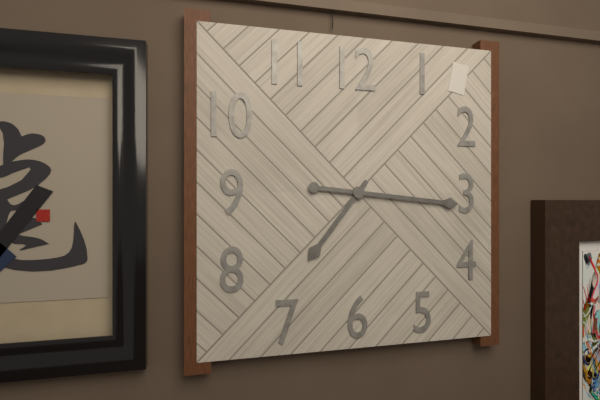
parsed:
7:16
